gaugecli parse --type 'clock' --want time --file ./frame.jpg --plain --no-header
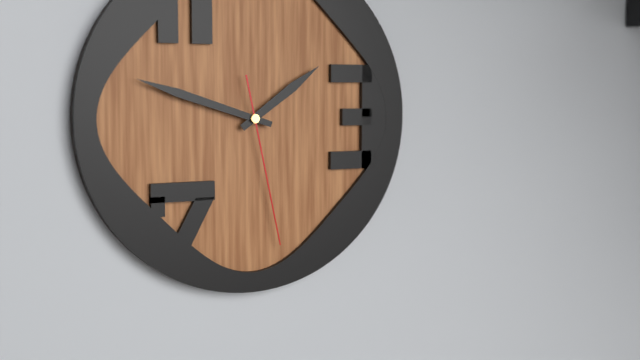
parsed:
1:48:28
